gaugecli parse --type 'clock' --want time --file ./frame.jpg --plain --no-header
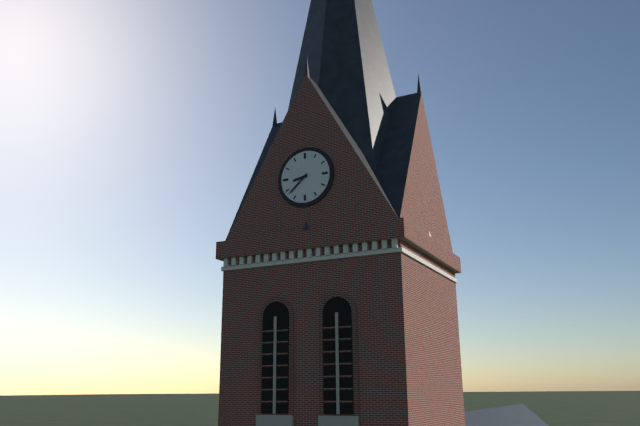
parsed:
8:38
